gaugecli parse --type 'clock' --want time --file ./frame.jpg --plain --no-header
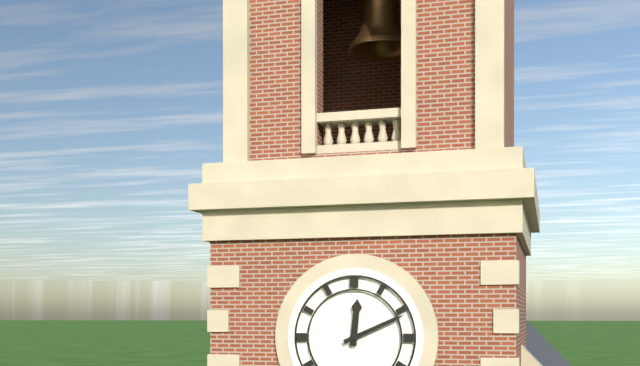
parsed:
12:11
